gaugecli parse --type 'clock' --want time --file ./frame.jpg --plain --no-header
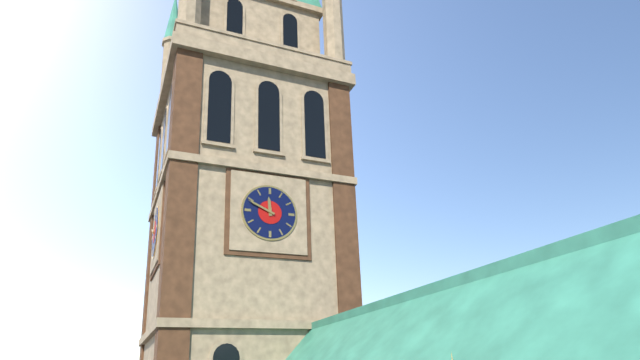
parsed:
11:49
